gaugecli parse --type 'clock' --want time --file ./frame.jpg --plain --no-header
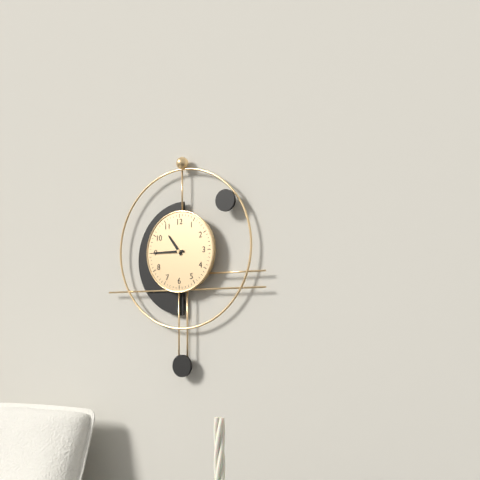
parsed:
10:45
